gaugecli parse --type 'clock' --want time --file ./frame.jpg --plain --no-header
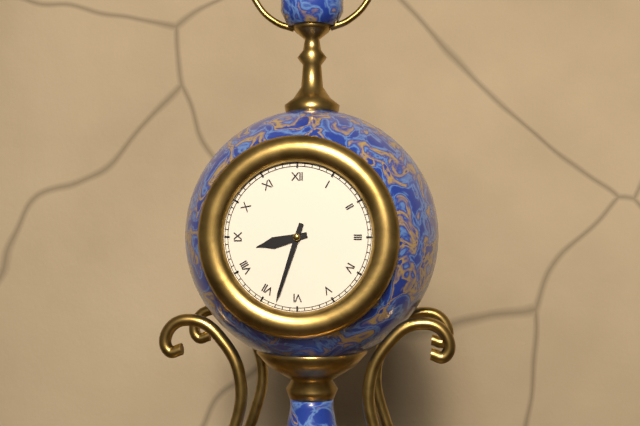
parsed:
8:33
